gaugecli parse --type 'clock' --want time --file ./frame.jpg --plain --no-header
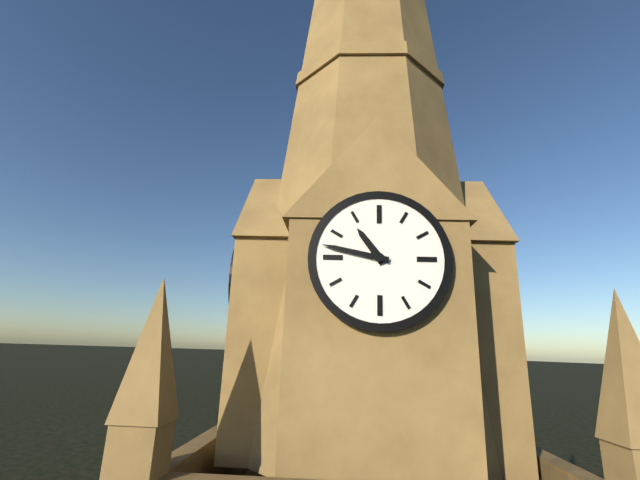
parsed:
10:47
